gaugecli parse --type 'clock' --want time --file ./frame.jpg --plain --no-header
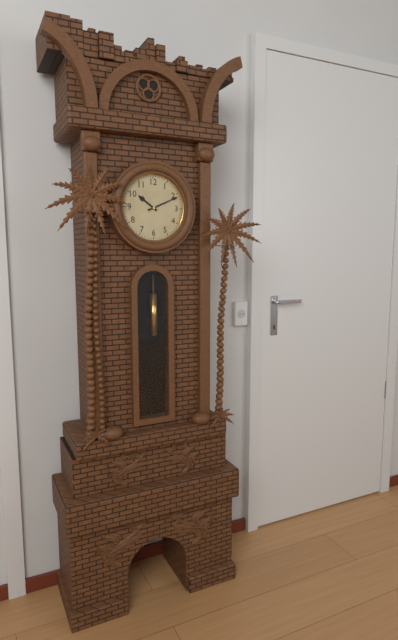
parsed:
10:11
